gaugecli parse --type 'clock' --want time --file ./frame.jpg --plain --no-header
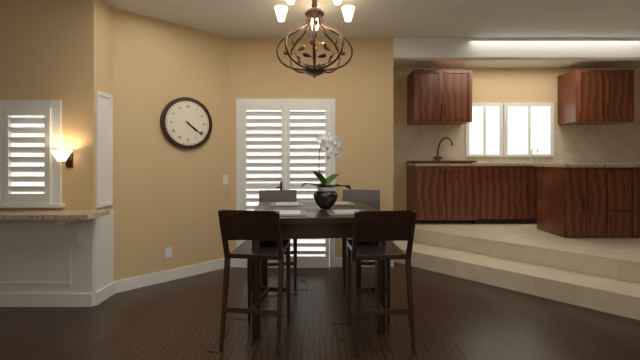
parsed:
4:21
